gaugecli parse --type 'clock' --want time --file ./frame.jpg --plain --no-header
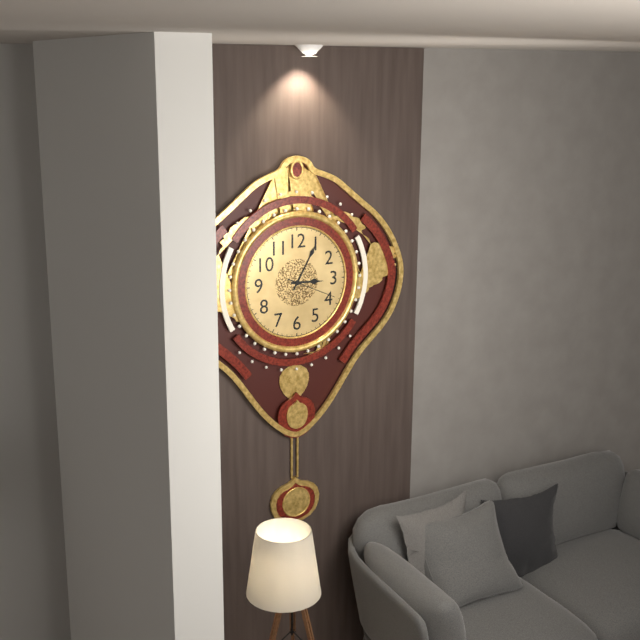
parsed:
3:05:19
